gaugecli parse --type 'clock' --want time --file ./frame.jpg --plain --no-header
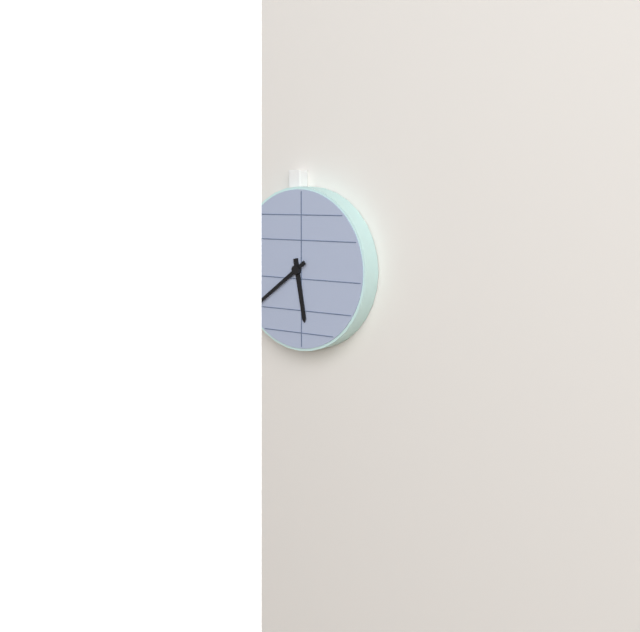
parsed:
5:39
